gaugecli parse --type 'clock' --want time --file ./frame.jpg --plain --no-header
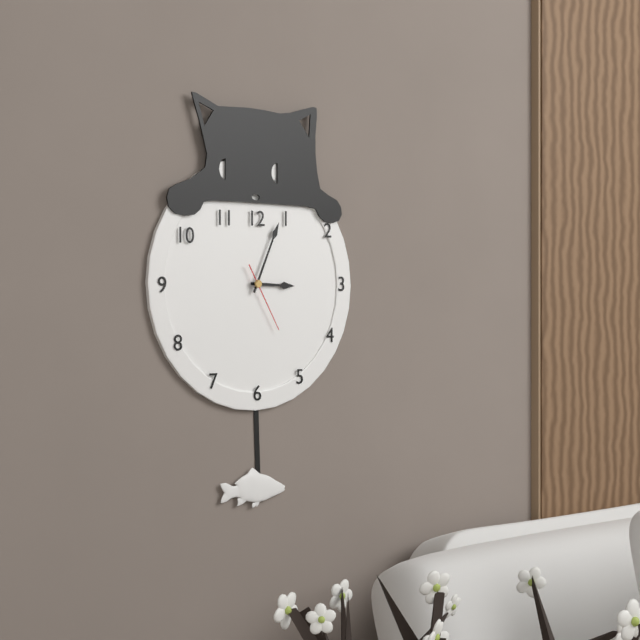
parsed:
3:04:25
